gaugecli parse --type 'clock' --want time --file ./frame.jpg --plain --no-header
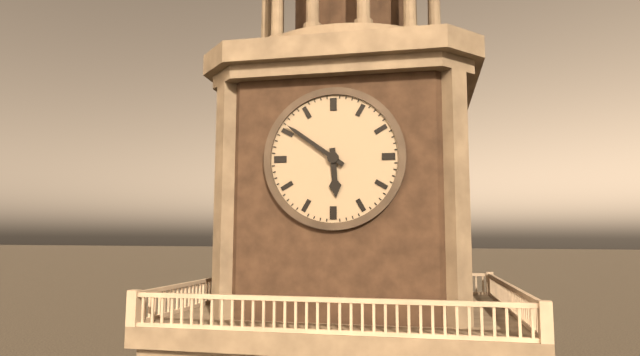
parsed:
5:51
